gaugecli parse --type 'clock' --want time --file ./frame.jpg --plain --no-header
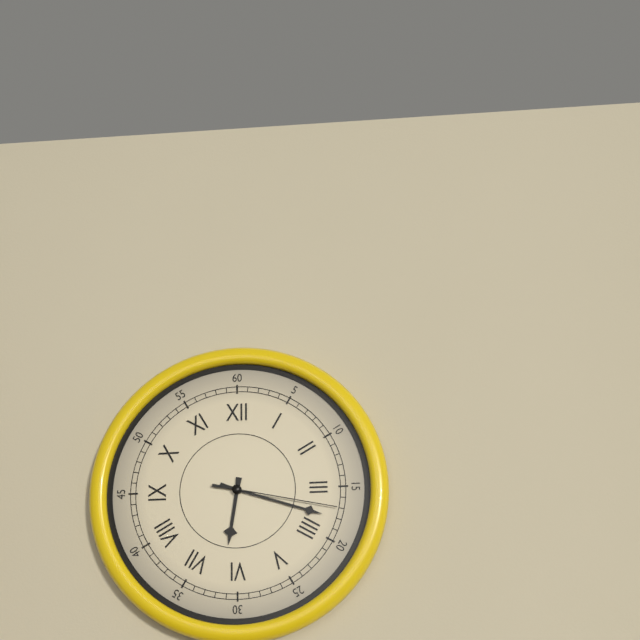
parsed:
6:18:17
